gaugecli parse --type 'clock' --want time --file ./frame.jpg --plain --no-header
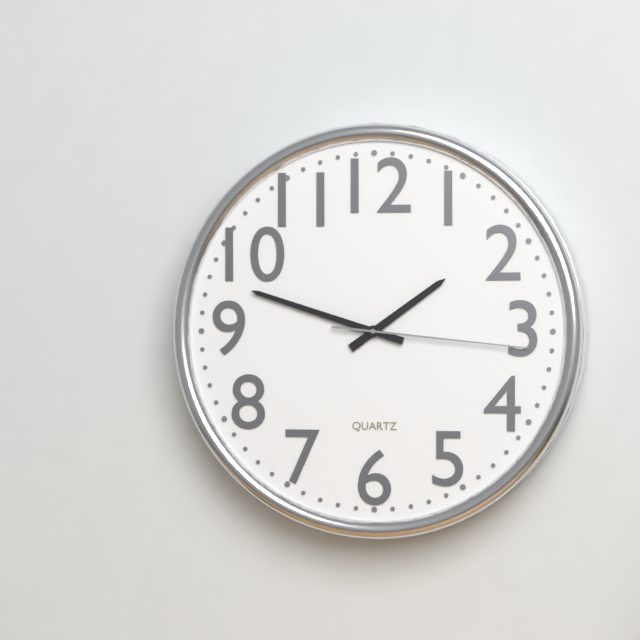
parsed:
1:48:16
